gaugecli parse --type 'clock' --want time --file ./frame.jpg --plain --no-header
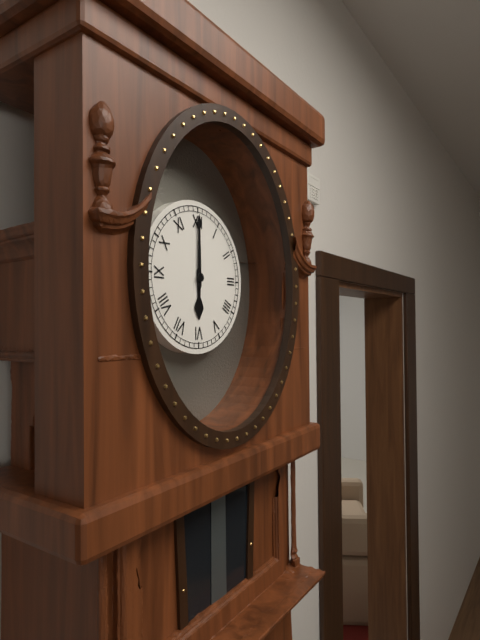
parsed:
6:00
